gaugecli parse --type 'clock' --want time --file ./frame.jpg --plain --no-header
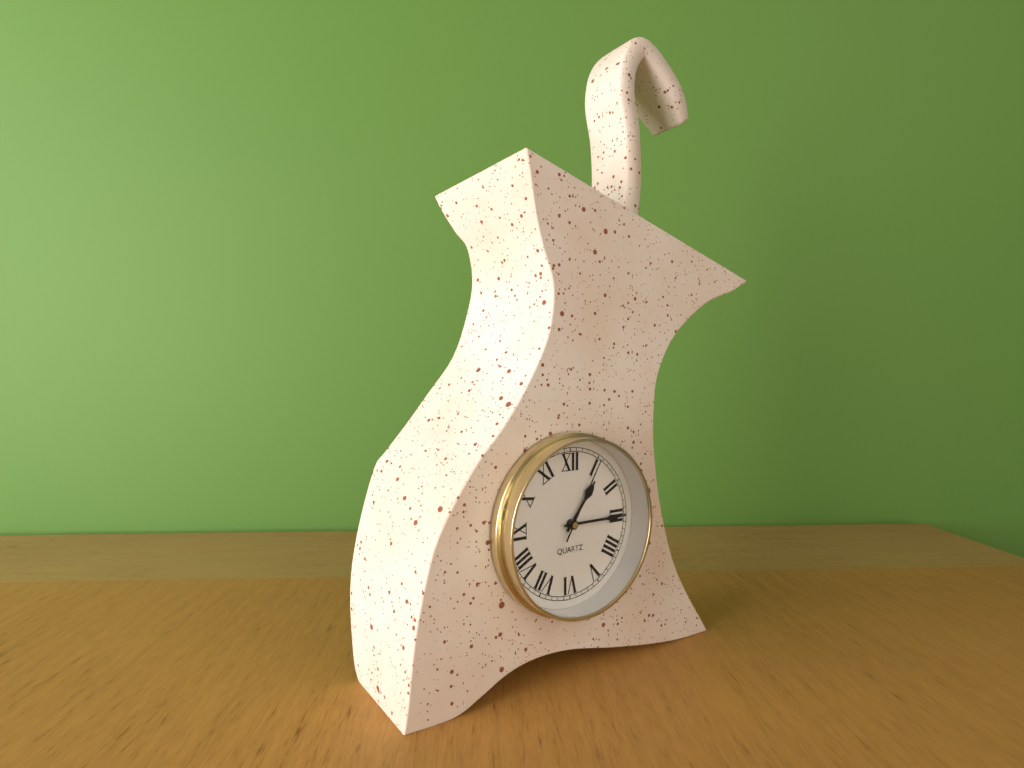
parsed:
1:15:05
